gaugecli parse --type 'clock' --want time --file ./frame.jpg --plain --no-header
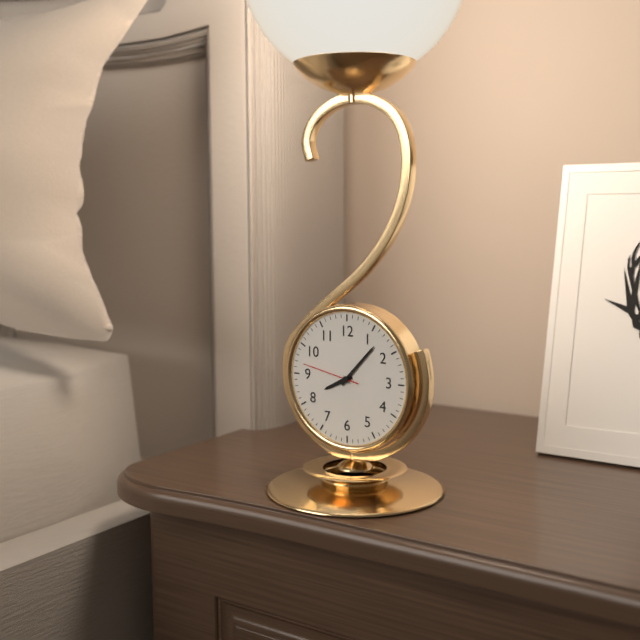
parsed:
8:07:47
